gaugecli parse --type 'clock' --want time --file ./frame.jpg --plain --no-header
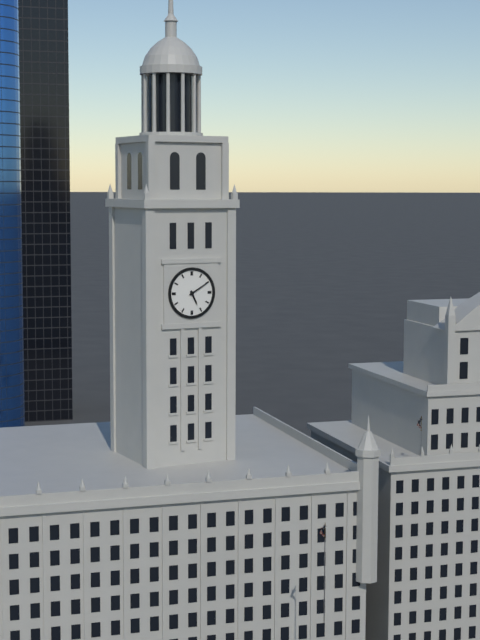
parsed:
5:10
